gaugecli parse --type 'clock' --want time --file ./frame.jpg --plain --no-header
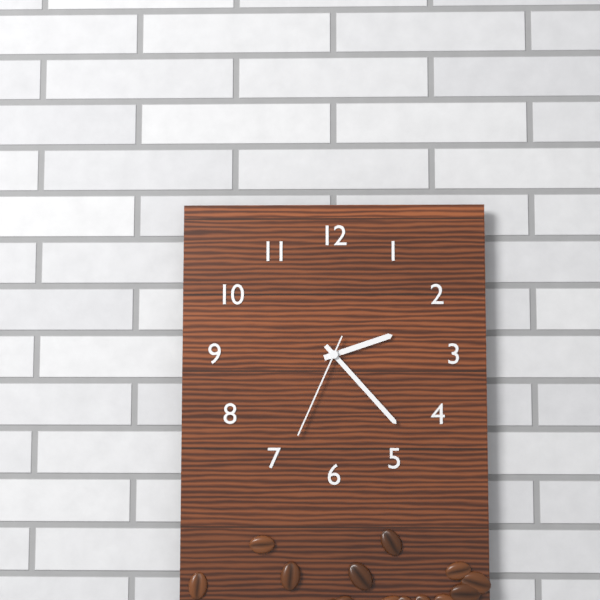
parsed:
2:23:34
